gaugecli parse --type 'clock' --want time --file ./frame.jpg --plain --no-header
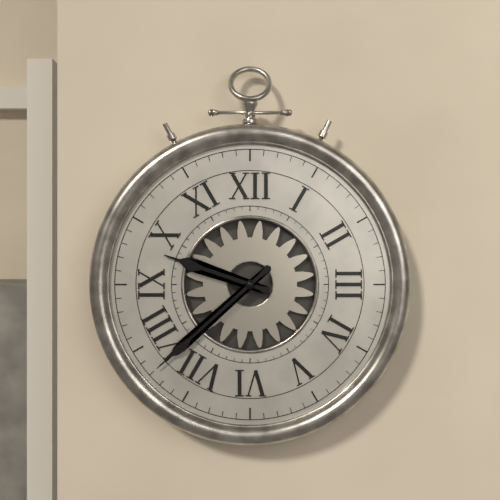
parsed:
9:38
